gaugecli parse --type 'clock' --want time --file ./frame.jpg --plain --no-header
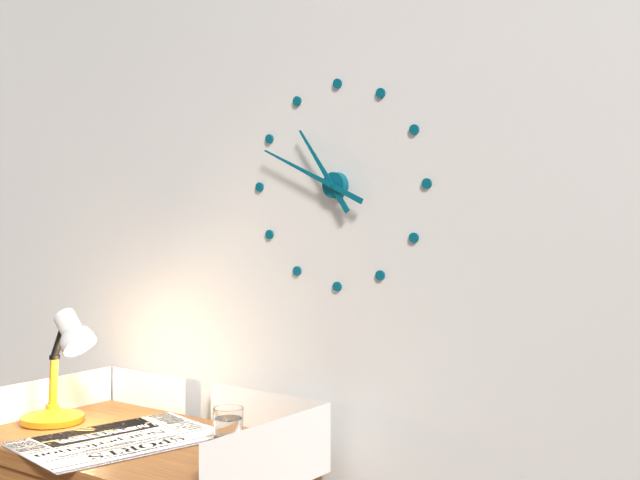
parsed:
10:49
